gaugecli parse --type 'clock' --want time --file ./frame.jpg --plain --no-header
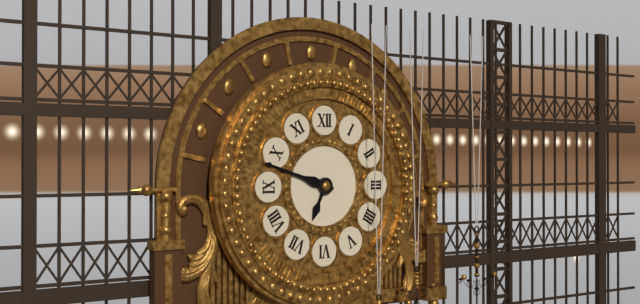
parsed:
6:48
